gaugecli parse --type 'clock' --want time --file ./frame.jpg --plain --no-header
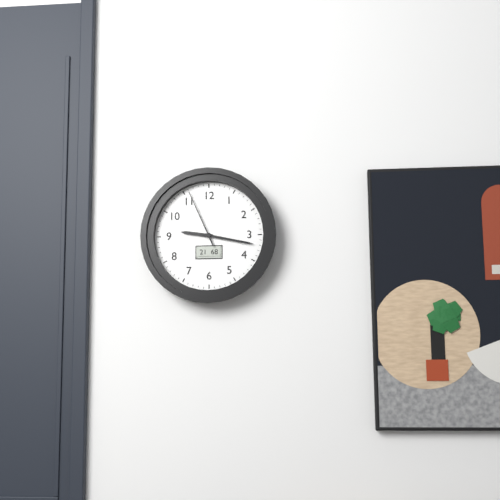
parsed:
9:17:56
